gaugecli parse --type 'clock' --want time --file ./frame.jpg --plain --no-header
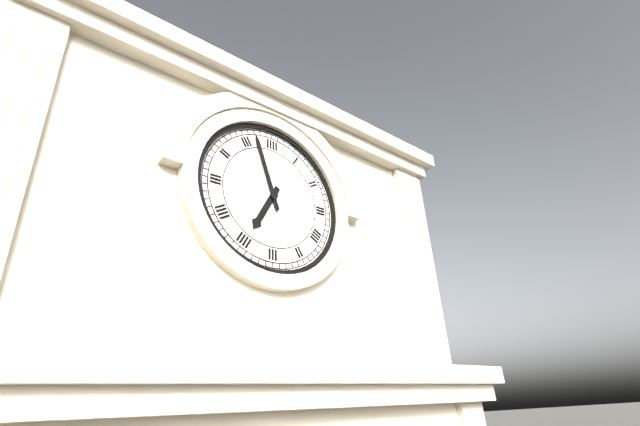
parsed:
6:57
